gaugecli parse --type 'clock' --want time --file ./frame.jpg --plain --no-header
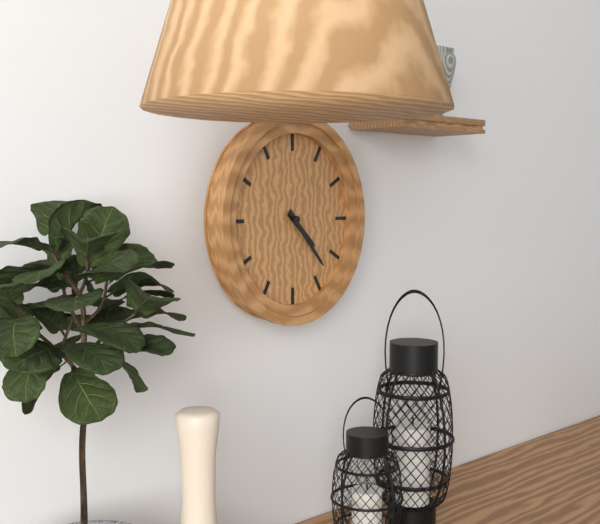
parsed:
4:23
